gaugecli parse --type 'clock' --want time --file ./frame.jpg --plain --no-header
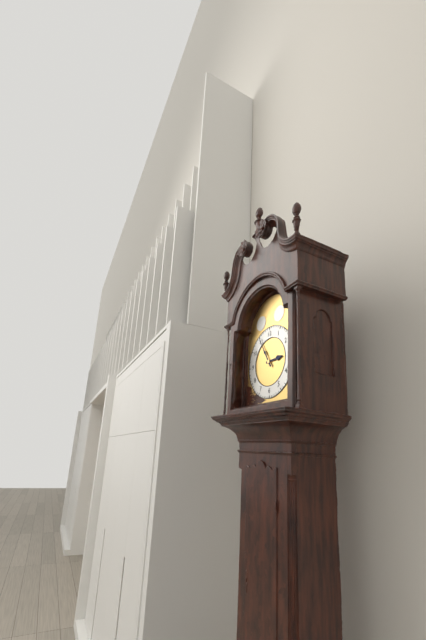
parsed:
2:55
